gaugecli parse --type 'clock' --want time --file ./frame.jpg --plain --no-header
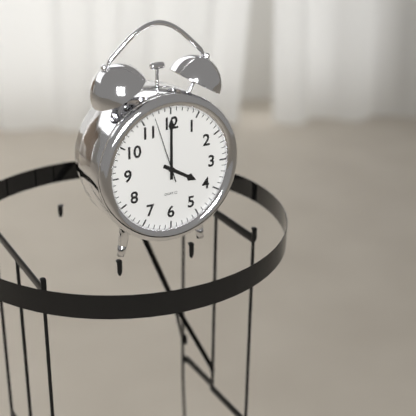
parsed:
4:00:57
